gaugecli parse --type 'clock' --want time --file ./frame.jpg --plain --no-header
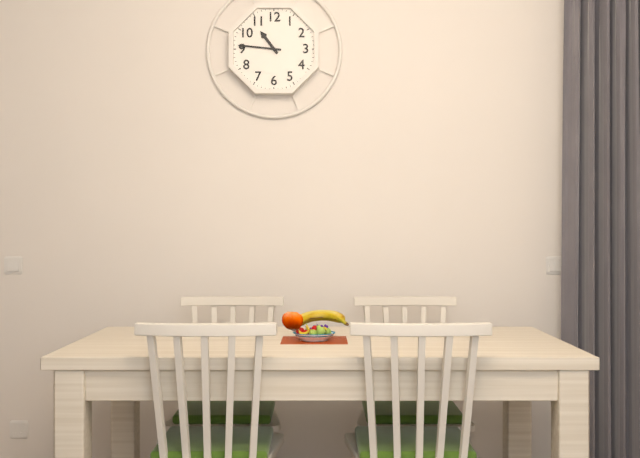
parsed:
10:46
